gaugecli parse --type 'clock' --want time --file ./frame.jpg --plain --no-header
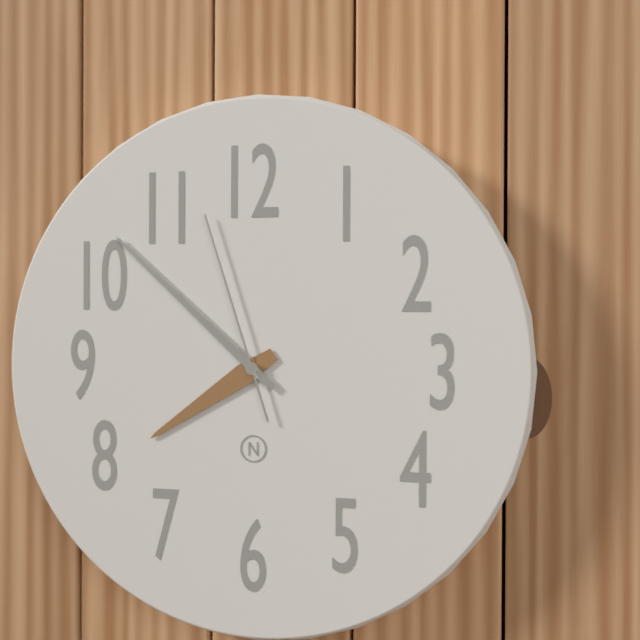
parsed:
7:52:57
